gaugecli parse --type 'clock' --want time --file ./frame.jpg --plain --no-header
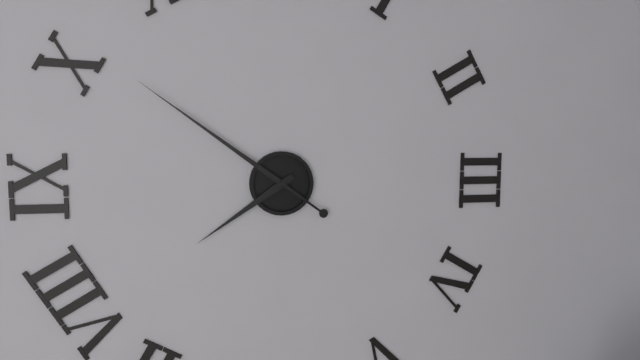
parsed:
7:51
